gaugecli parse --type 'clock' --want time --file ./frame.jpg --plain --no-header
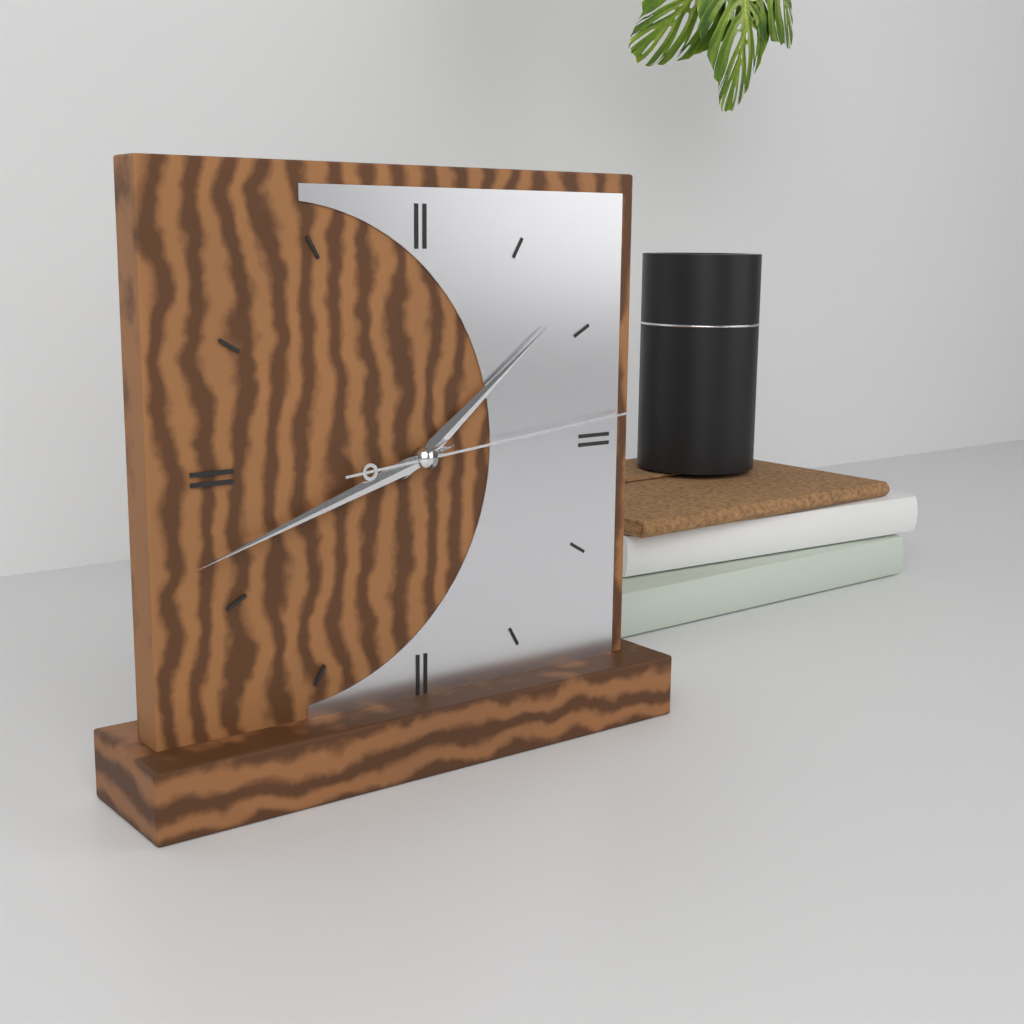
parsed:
1:42:14
